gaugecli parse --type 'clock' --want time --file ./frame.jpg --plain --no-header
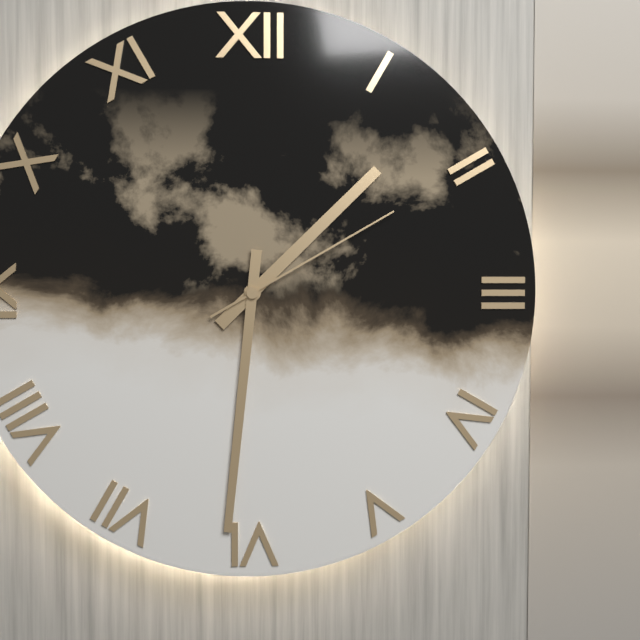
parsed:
1:31:10
